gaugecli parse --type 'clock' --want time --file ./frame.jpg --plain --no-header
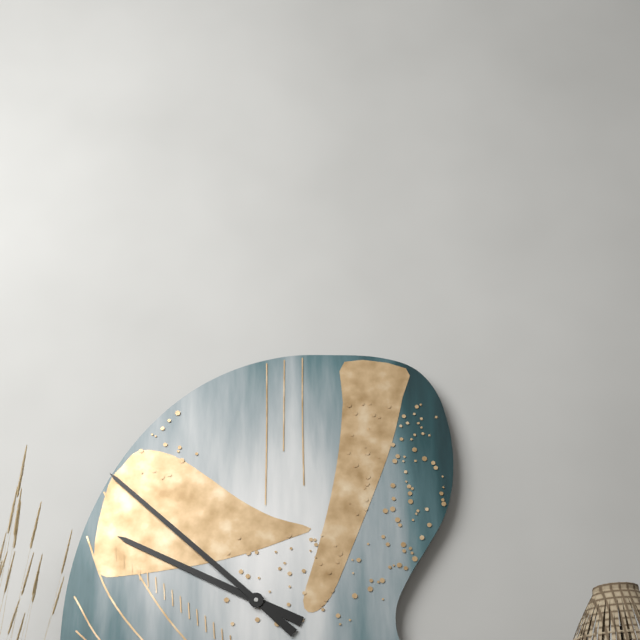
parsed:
9:52
